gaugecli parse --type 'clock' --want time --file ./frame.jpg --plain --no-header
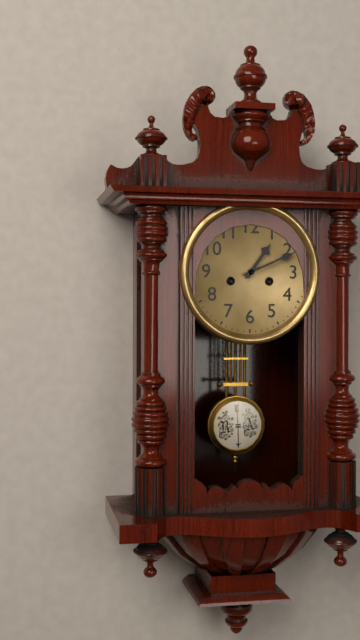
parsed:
1:11
